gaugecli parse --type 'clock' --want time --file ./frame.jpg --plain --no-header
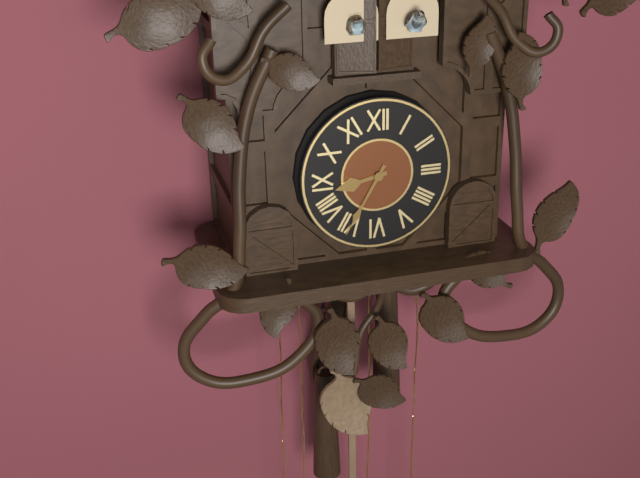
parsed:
8:35
